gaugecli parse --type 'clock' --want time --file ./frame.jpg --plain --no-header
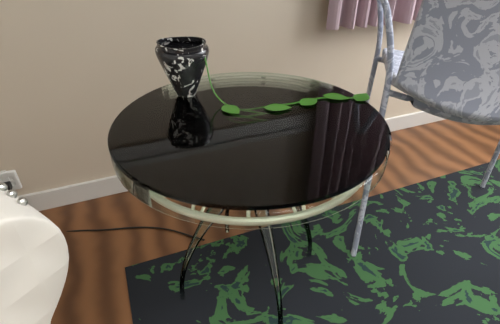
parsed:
6:02
